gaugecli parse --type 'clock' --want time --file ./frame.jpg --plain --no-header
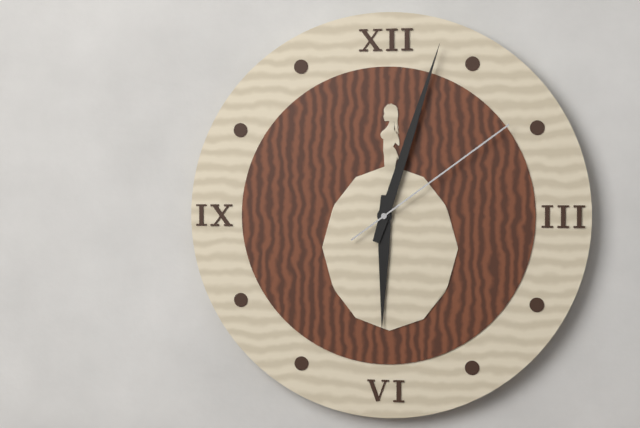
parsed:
6:03:09
